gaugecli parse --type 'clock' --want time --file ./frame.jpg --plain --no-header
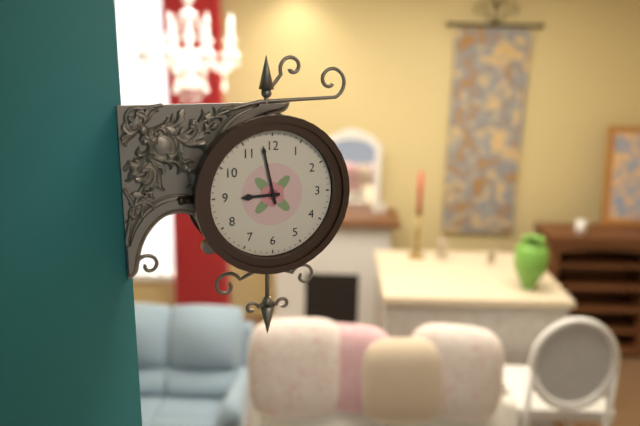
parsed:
8:58
